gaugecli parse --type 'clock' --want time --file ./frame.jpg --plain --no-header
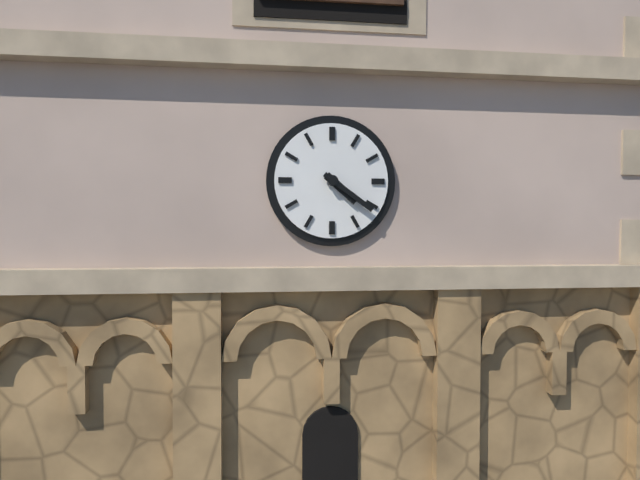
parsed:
4:21
